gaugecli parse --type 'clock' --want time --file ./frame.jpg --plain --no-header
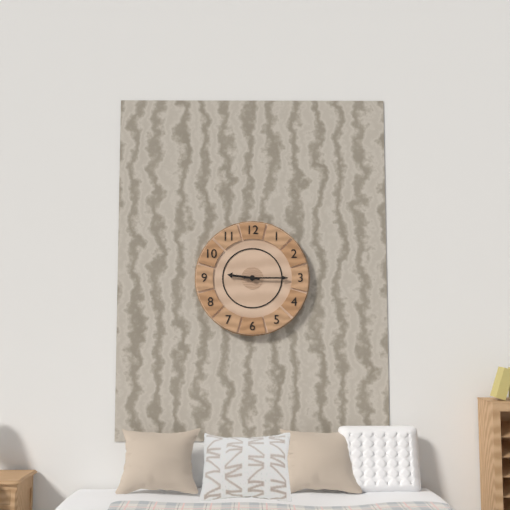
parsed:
9:15
